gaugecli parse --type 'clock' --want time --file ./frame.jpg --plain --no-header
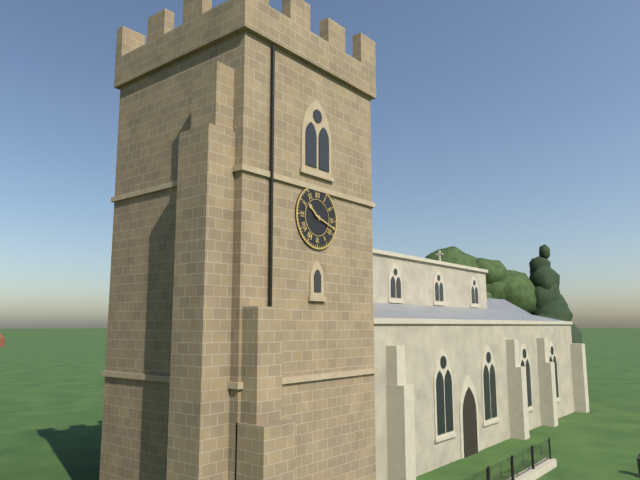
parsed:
10:18
